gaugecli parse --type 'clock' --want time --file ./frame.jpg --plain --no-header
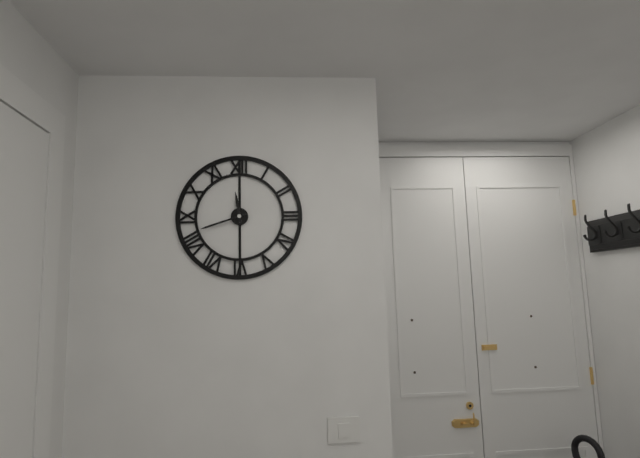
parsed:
11:42
